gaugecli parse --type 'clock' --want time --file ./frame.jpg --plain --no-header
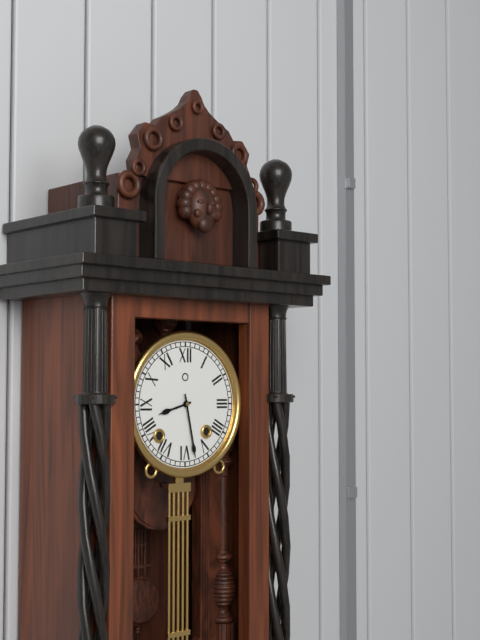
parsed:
8:28
